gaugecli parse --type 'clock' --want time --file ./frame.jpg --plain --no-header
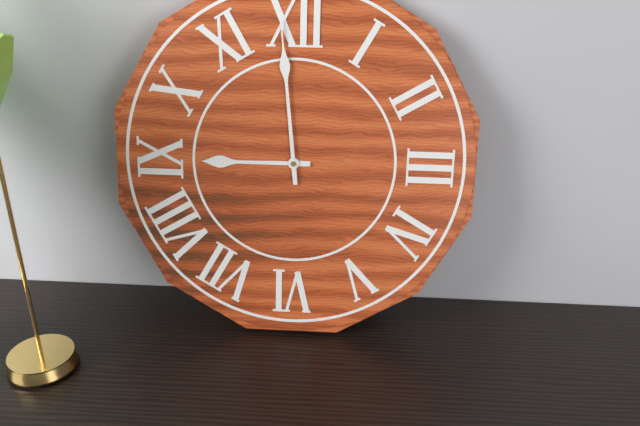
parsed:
8:59
